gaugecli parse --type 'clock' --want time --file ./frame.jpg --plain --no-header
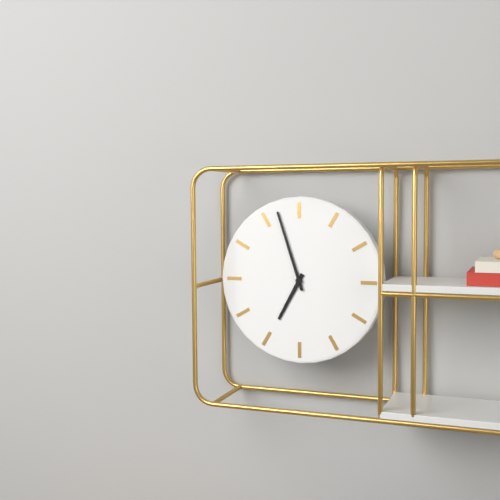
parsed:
6:57
